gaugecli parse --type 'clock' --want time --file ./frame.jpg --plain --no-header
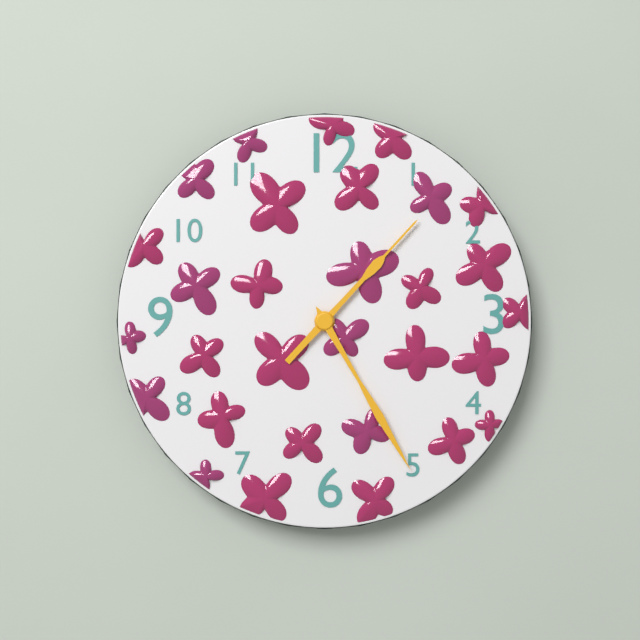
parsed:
1:25
